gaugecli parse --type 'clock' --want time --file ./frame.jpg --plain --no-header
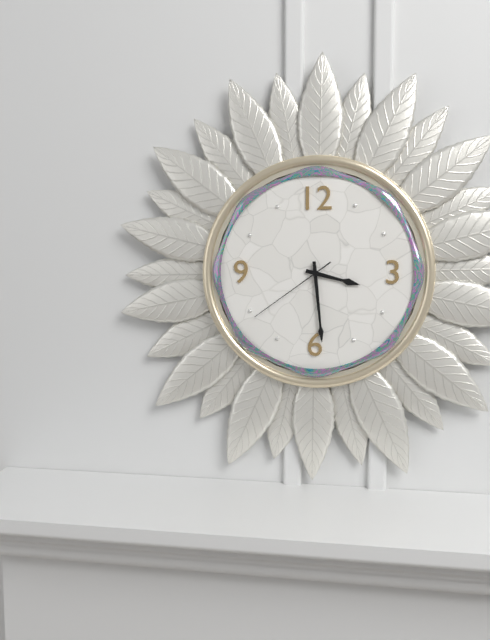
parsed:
3:29:39
